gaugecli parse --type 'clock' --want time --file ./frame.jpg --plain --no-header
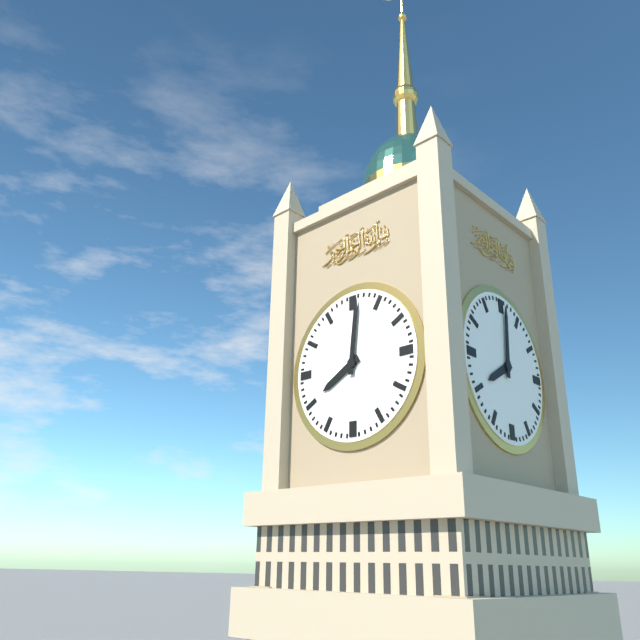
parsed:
8:01
